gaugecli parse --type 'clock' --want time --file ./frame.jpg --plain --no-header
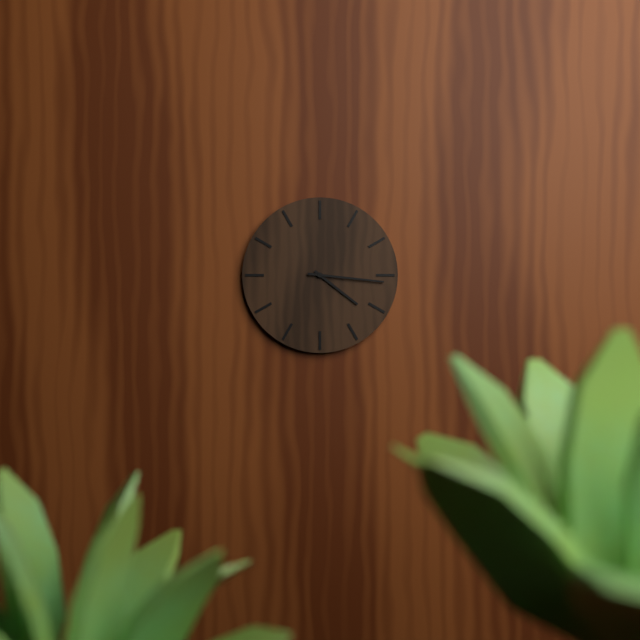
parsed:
4:16
